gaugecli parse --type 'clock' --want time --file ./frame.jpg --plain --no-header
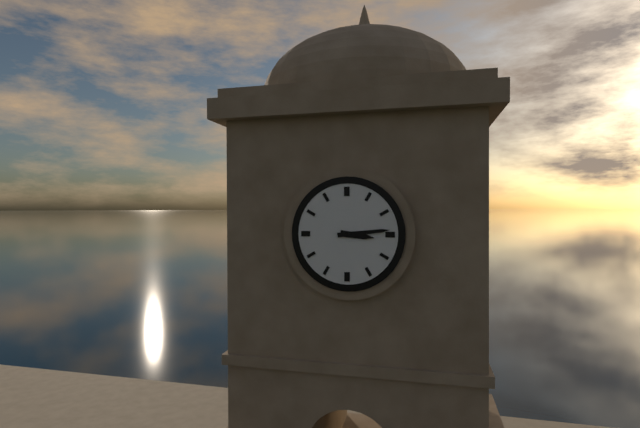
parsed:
3:14
